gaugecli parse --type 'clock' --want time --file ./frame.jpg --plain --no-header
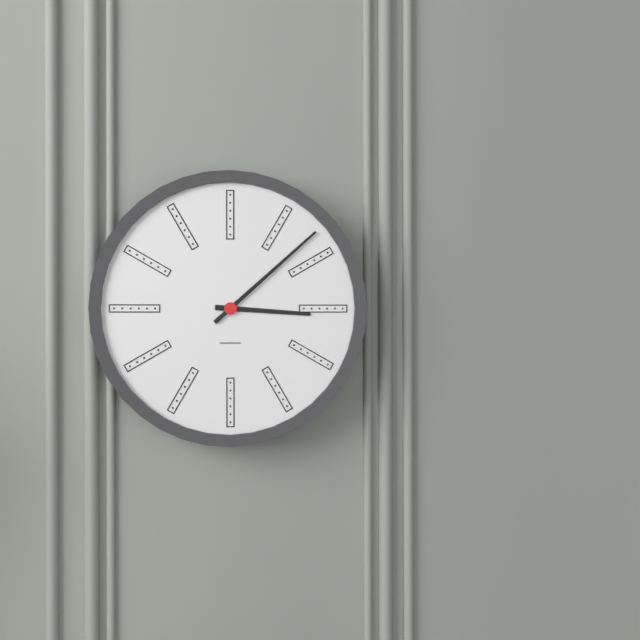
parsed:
3:08
